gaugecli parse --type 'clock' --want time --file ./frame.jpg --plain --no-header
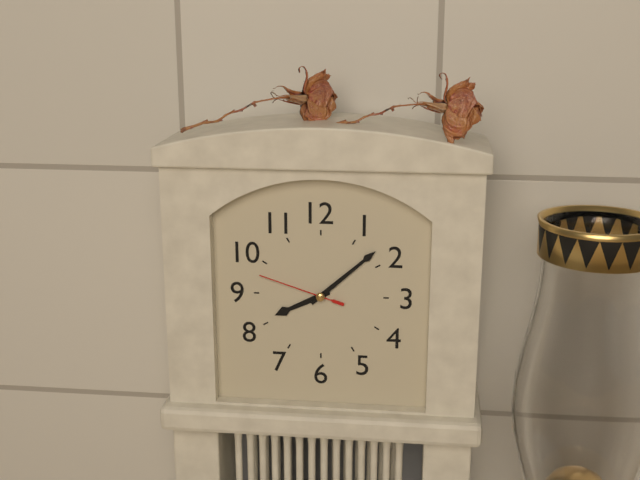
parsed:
8:08:48
